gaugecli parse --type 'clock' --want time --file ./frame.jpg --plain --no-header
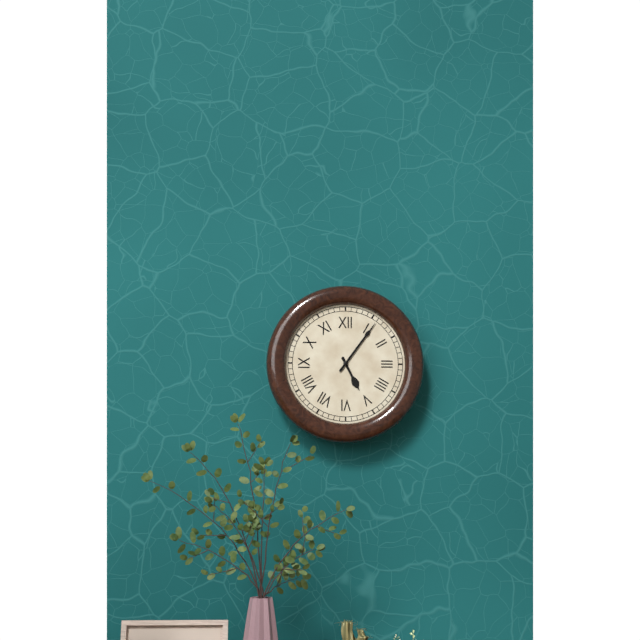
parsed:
5:06
